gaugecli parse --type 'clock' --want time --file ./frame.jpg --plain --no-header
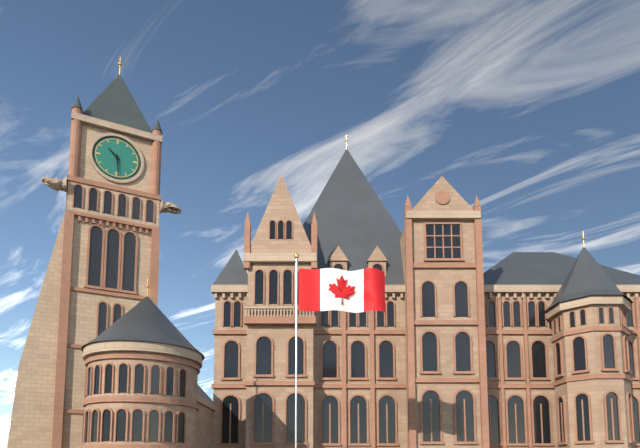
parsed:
10:29
